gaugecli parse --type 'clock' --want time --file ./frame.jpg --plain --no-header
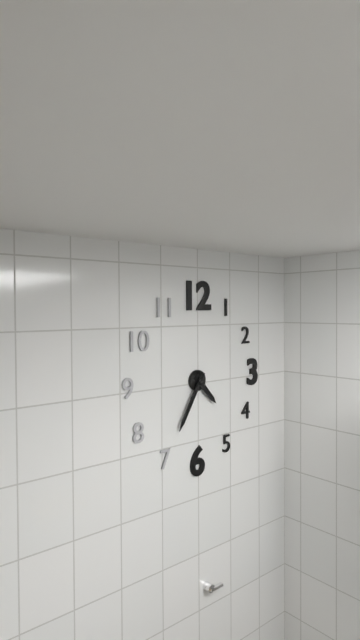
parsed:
4:35
